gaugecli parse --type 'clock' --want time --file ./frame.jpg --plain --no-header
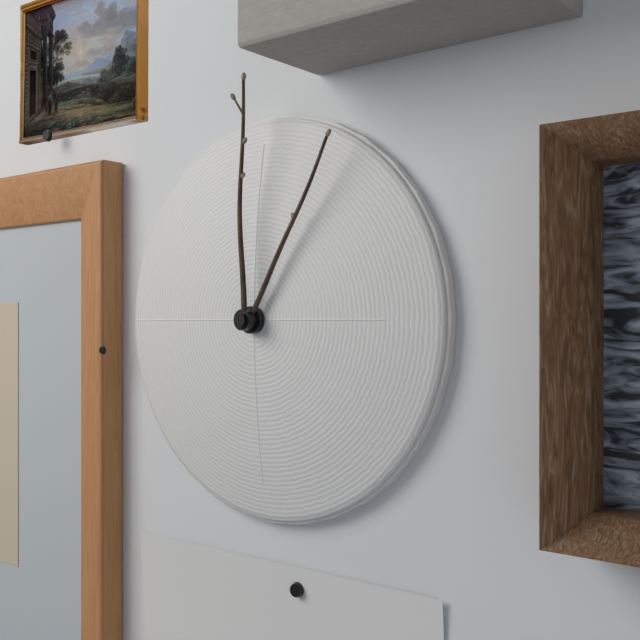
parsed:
1:00
